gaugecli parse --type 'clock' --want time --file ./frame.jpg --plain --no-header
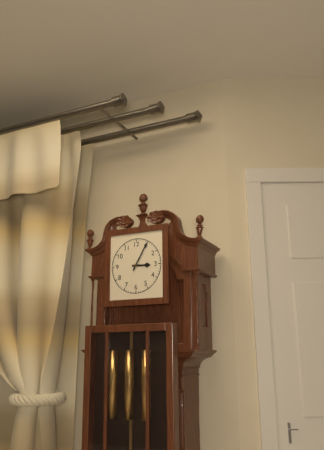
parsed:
3:05
